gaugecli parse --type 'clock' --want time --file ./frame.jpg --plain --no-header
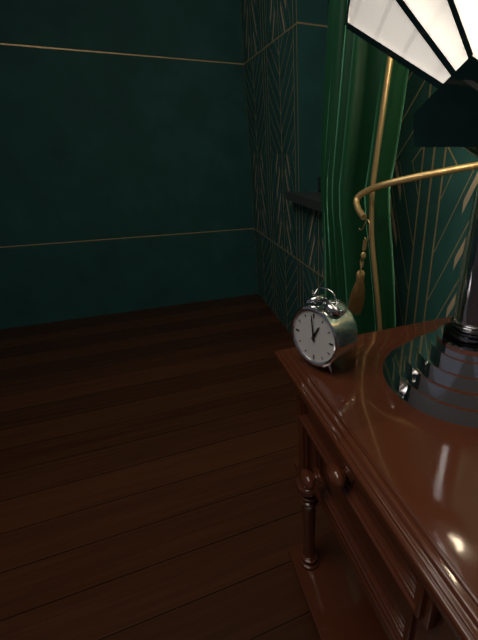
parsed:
12:59
